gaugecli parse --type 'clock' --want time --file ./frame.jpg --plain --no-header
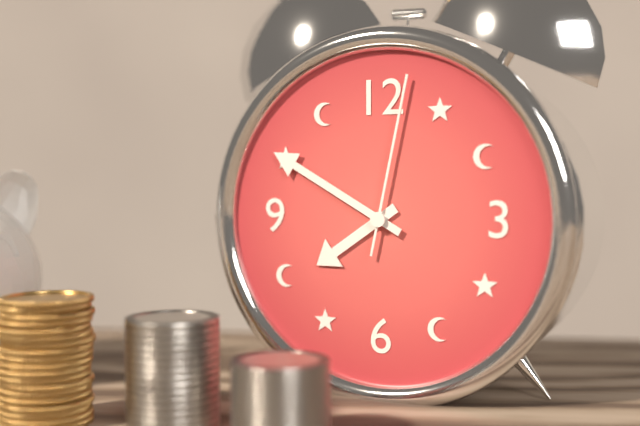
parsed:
7:50:02
